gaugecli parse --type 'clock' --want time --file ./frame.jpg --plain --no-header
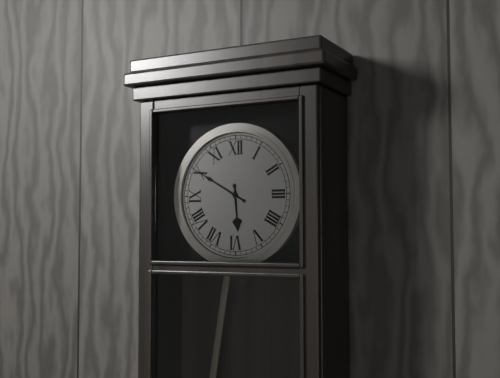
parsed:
5:50
